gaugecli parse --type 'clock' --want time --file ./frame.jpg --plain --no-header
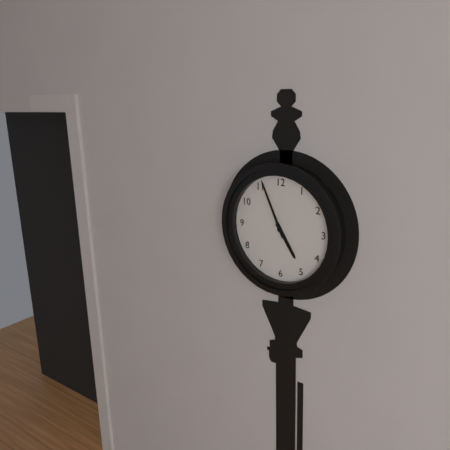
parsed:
4:56
